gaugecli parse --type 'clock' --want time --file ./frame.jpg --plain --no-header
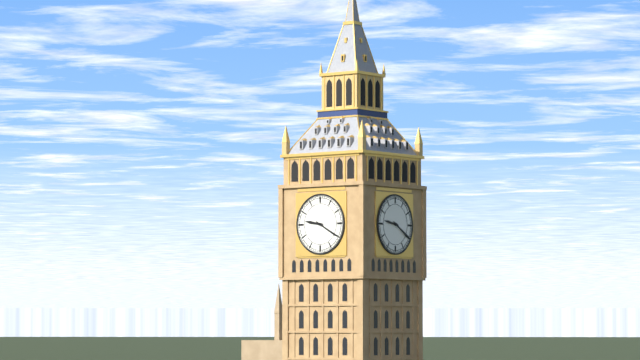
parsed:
9:20
